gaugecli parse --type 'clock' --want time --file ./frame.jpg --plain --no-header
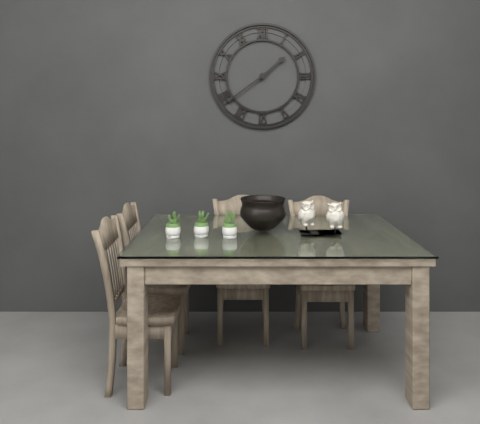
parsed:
1:39
